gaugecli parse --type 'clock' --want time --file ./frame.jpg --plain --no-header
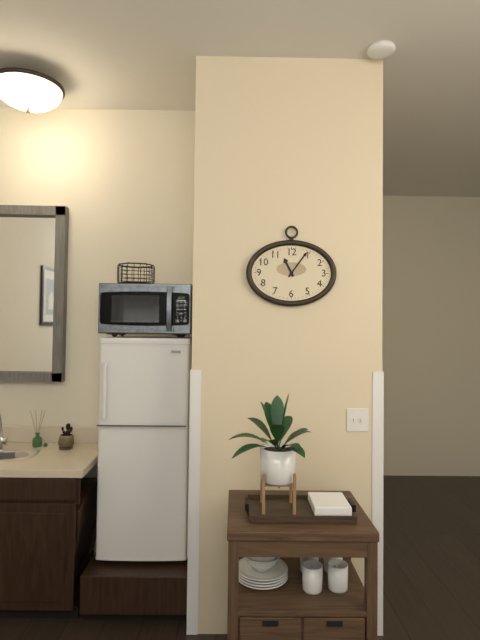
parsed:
11:06
